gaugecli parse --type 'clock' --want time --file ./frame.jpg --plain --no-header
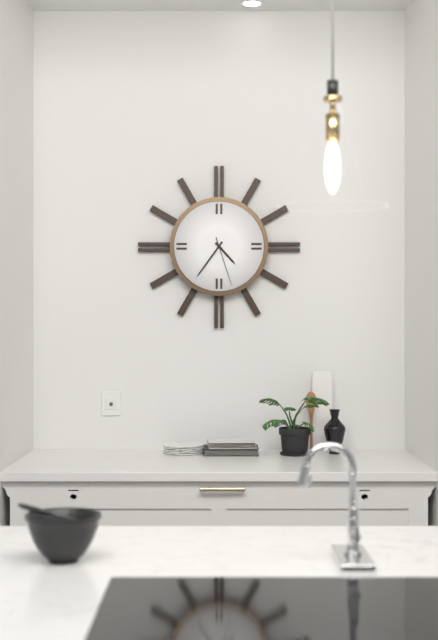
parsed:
4:36:27
